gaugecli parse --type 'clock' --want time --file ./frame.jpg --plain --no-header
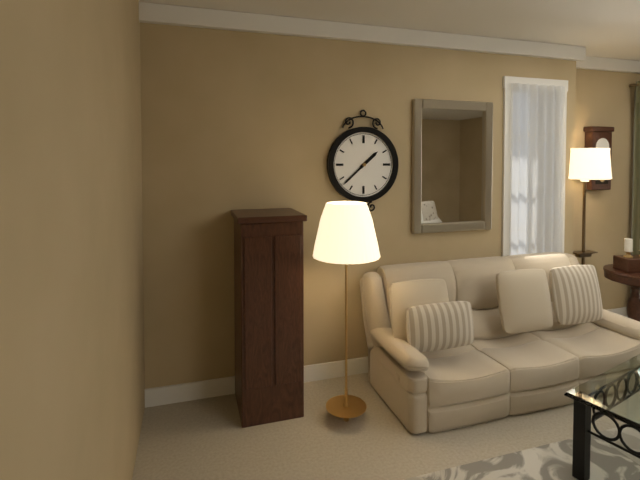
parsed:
1:38
